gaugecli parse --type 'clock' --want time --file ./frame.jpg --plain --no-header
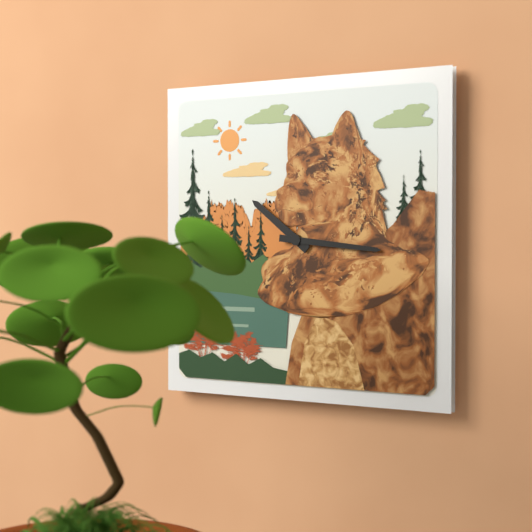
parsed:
10:16
